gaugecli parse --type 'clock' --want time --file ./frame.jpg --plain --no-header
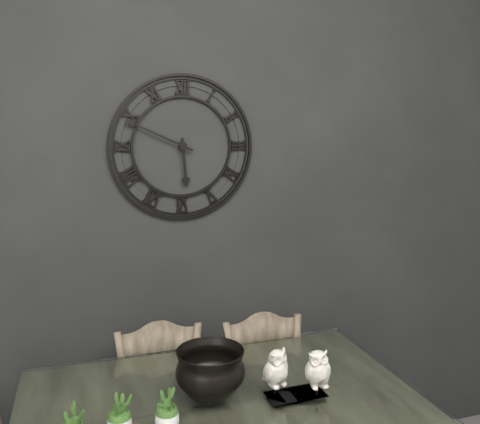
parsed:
5:49
